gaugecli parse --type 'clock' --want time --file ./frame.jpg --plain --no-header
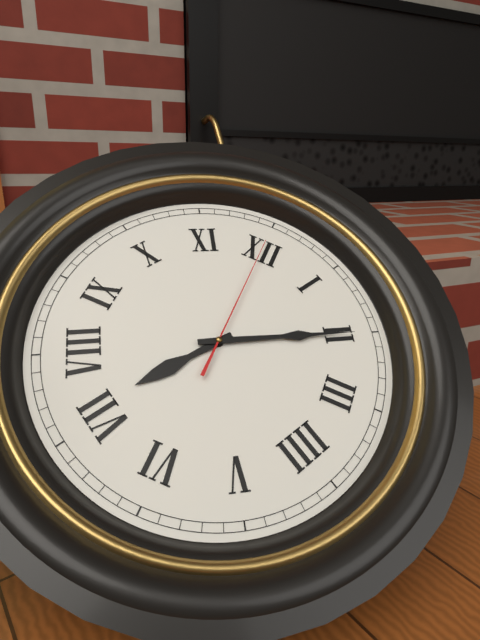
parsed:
7:10:00
